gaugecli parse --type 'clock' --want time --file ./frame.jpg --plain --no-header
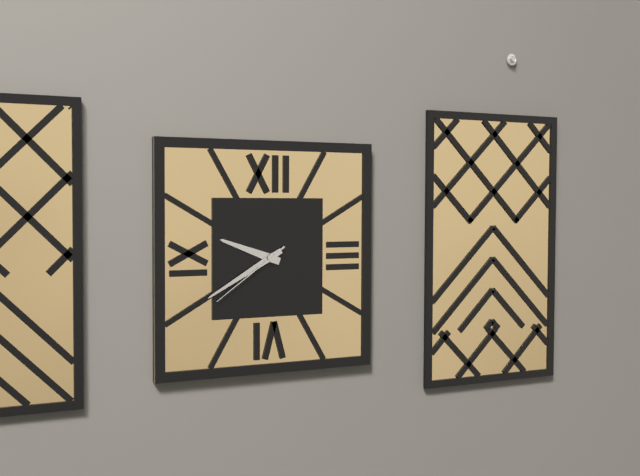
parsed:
9:40:39
